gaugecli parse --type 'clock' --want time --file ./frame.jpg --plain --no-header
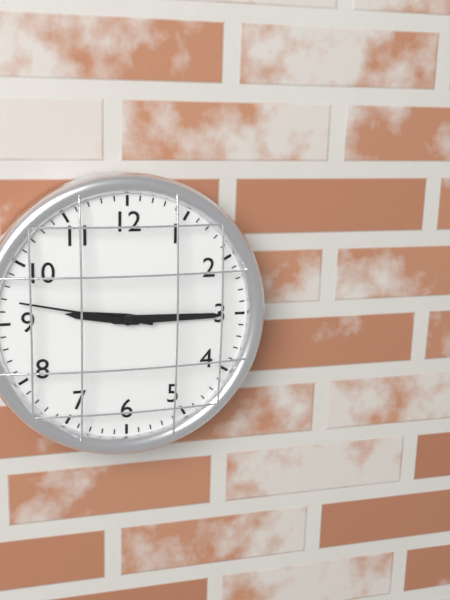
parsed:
9:15:47
